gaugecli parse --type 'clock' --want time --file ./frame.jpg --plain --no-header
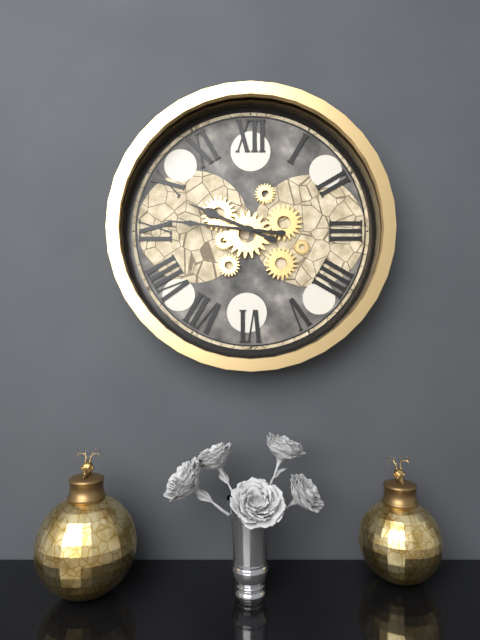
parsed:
9:46
